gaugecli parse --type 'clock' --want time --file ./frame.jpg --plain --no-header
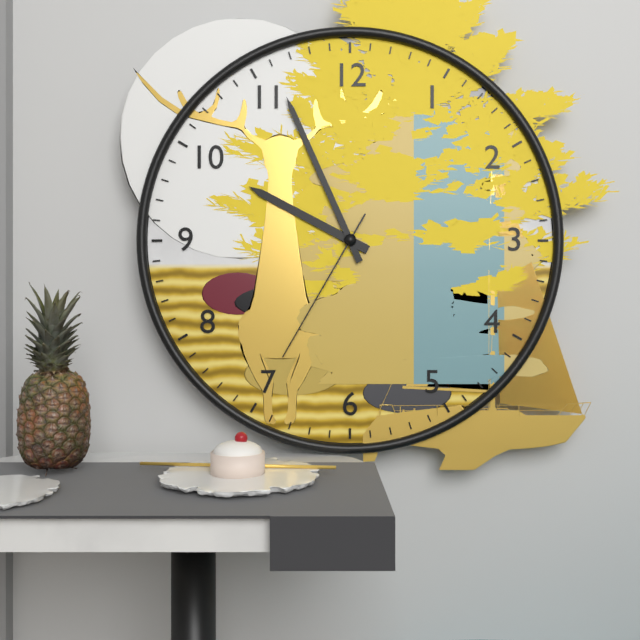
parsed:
9:56:35
